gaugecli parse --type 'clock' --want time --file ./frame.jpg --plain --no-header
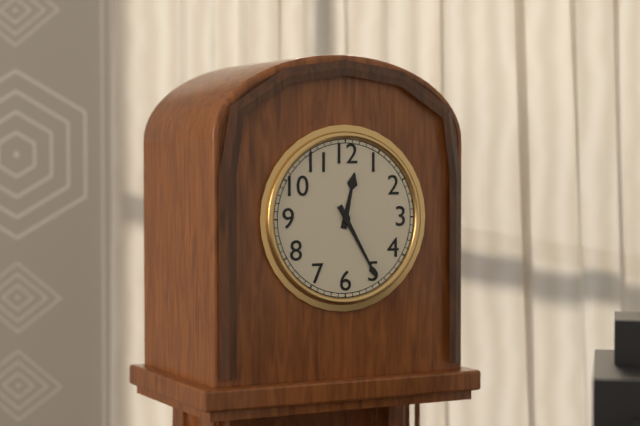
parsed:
12:25
